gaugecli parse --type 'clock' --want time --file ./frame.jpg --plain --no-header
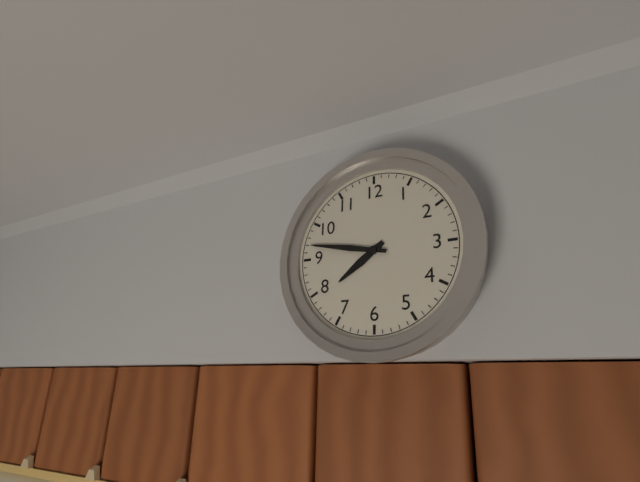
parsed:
7:47
